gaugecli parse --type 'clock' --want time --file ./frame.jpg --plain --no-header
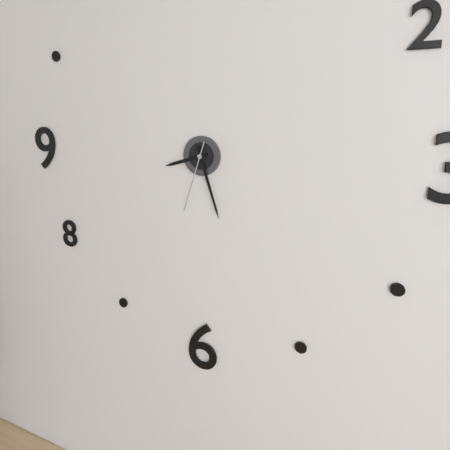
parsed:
8:27:33
